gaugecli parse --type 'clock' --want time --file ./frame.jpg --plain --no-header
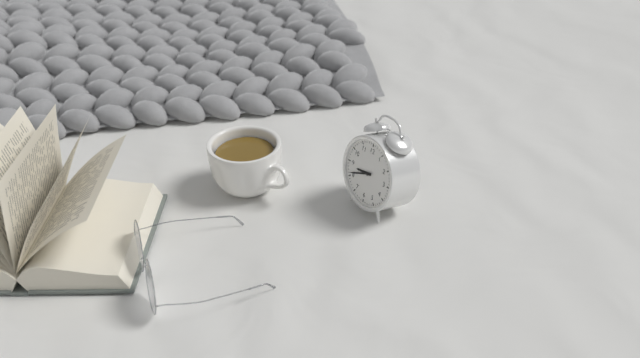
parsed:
8:41
